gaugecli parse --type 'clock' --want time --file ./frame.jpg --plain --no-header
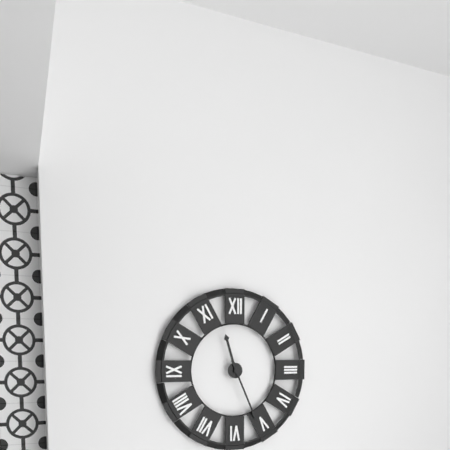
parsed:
11:26
